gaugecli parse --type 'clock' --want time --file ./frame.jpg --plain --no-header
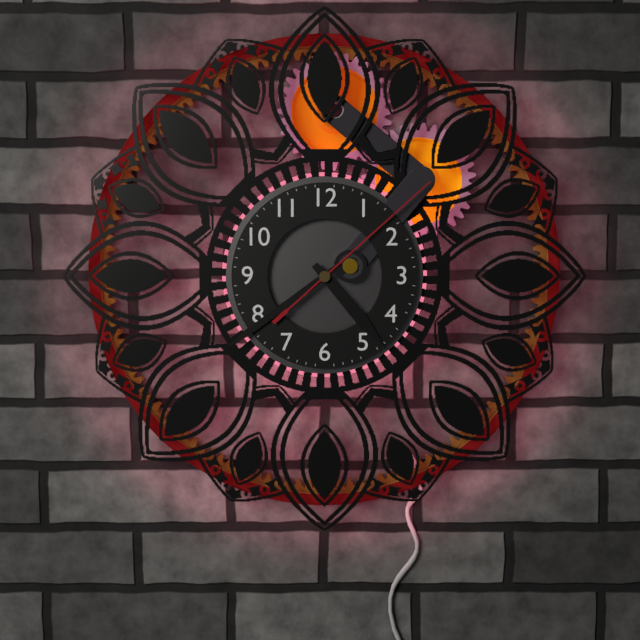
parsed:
4:39:08
